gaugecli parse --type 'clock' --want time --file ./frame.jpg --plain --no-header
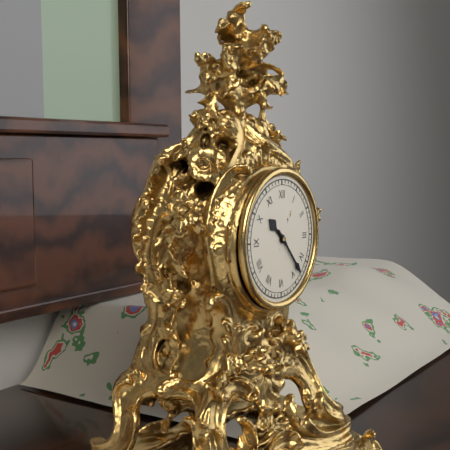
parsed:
10:23
